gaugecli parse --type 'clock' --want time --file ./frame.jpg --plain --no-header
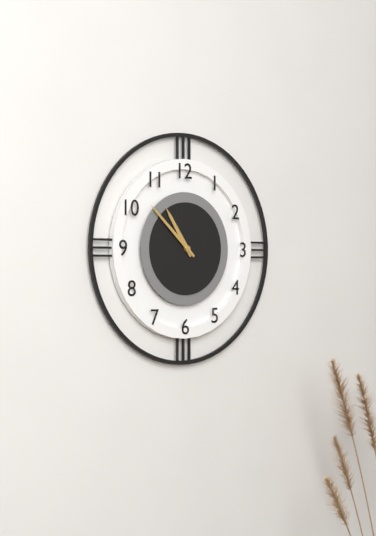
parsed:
10:52
